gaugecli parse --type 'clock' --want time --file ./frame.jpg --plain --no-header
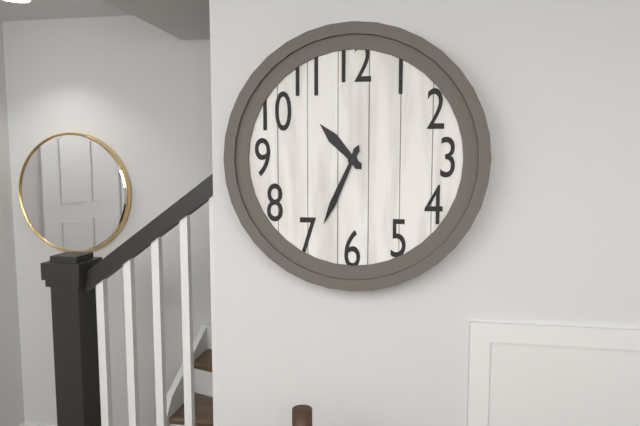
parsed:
10:34
